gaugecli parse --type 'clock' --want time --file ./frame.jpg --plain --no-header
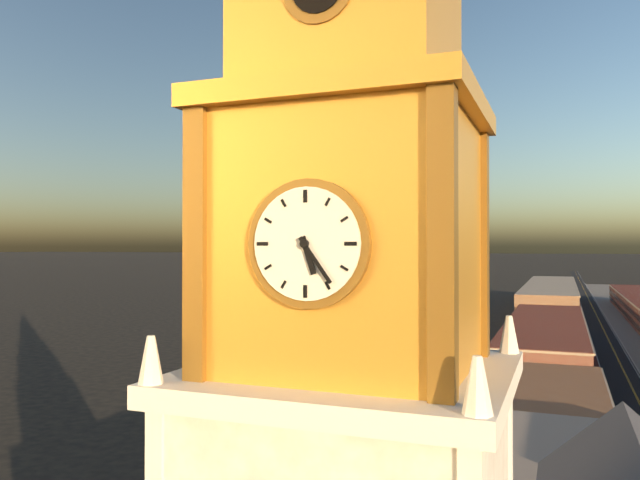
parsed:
5:24
